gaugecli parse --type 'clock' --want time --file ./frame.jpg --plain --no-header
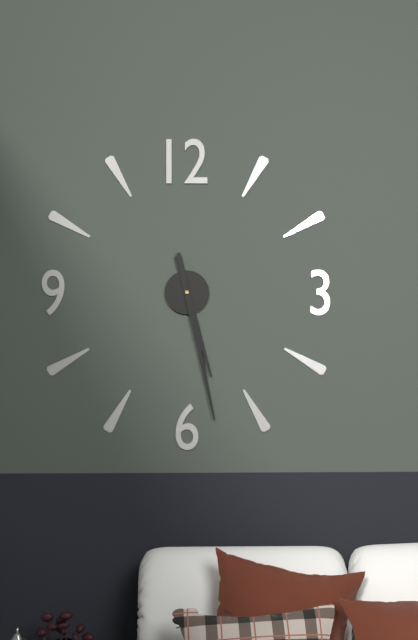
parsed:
5:28
